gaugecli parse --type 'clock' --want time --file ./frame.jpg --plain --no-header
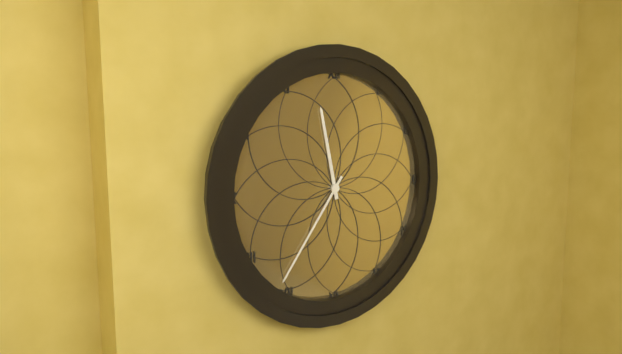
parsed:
11:36
